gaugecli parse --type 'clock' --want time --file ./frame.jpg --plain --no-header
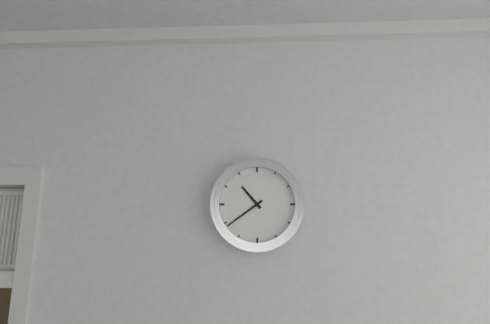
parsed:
10:39
